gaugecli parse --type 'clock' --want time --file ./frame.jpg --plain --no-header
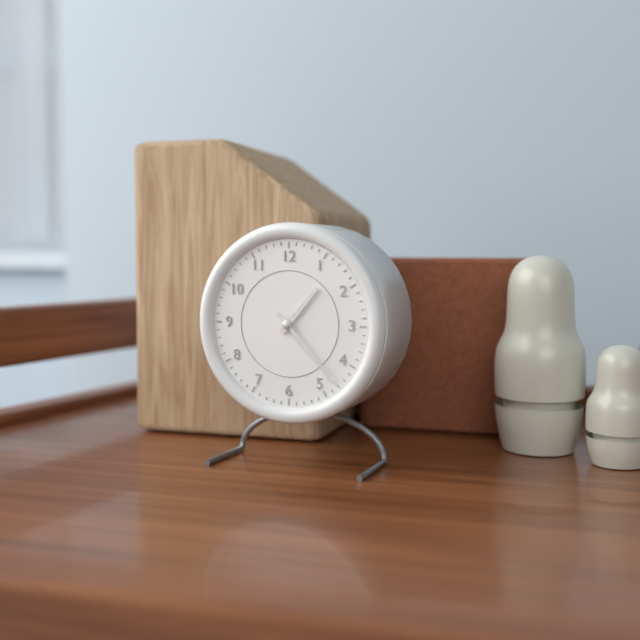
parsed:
1:23
